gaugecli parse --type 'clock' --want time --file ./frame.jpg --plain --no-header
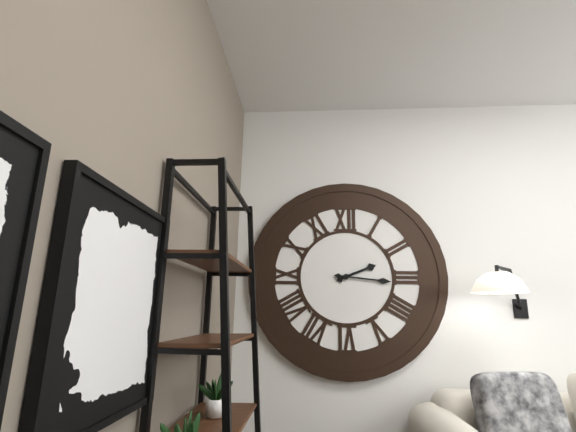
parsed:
2:16
